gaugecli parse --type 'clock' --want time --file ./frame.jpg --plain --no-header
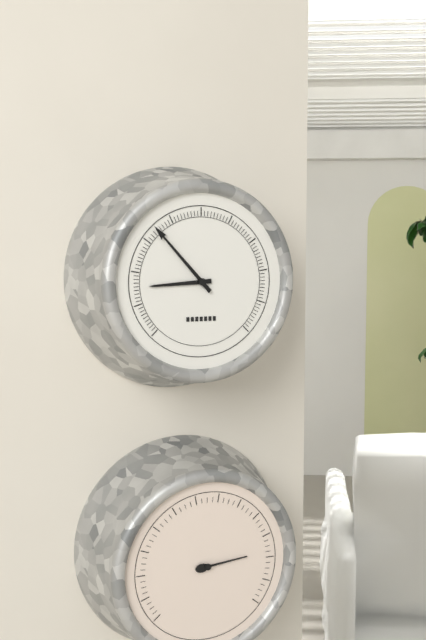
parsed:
8:53
